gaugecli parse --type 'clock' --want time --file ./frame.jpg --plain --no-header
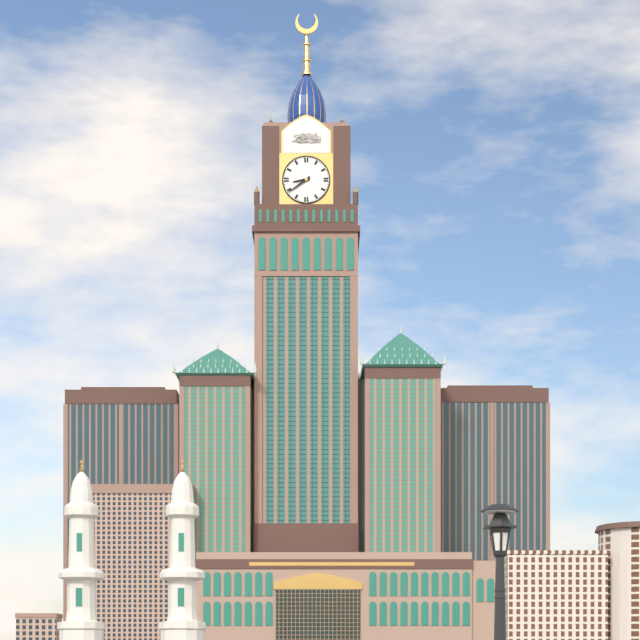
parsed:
8:39
